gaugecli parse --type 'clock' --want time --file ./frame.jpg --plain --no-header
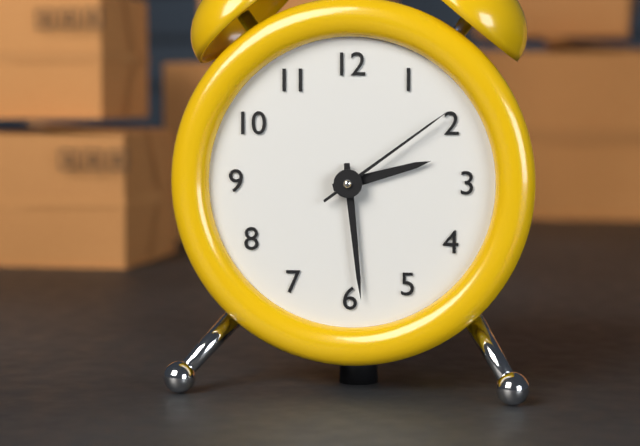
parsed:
2:29:09
